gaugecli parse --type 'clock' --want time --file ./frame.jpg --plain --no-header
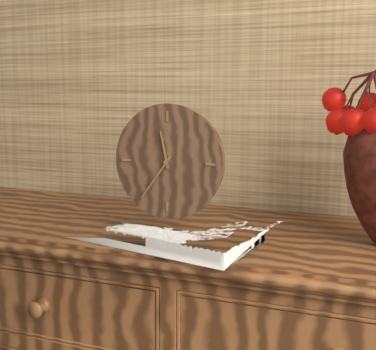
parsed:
11:36
